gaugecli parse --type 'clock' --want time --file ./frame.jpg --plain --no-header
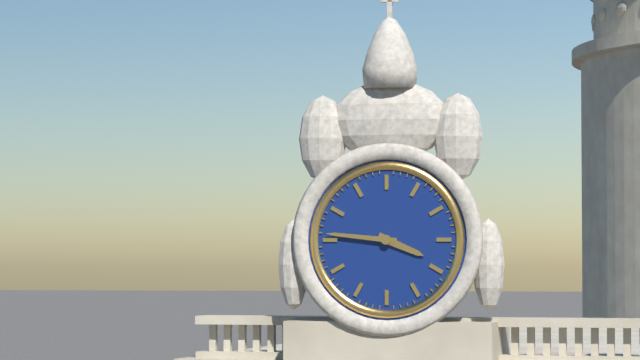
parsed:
3:46
